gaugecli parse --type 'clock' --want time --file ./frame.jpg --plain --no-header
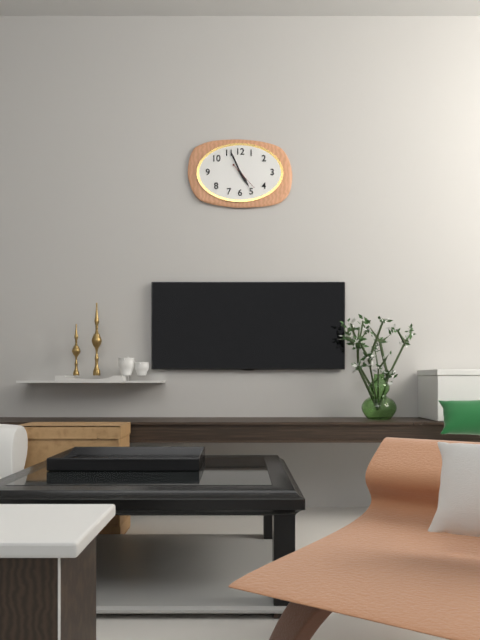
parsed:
4:56
